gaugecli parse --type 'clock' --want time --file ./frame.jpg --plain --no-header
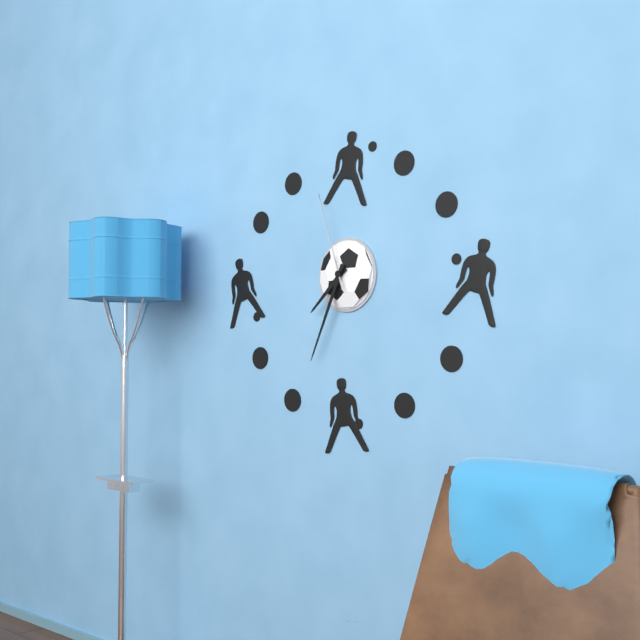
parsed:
7:34:57
